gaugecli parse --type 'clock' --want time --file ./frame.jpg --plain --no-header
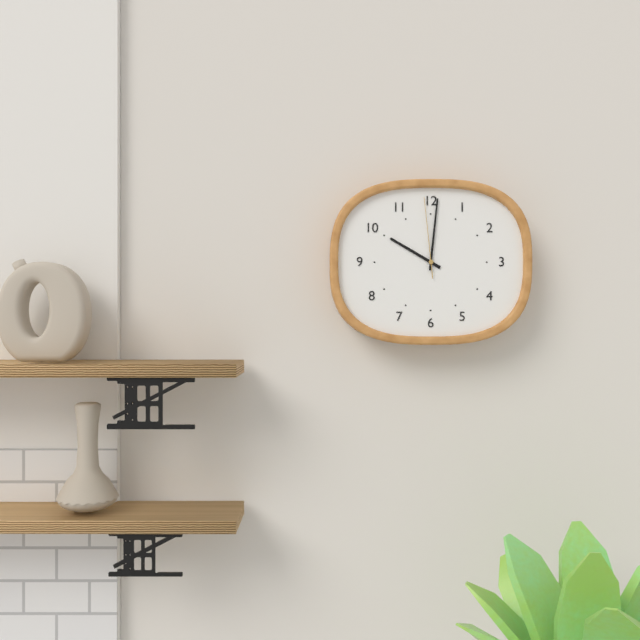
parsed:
10:01:59
